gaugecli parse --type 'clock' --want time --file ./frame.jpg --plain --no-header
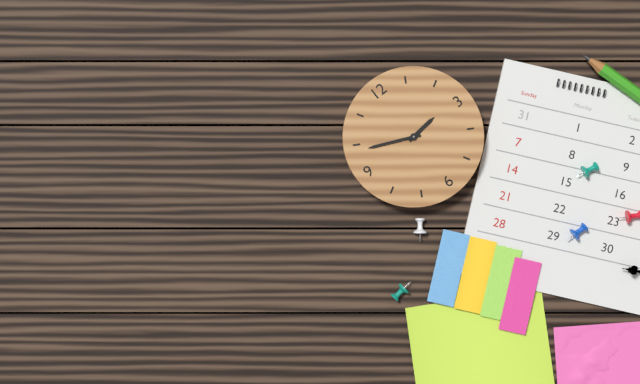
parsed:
2:49
